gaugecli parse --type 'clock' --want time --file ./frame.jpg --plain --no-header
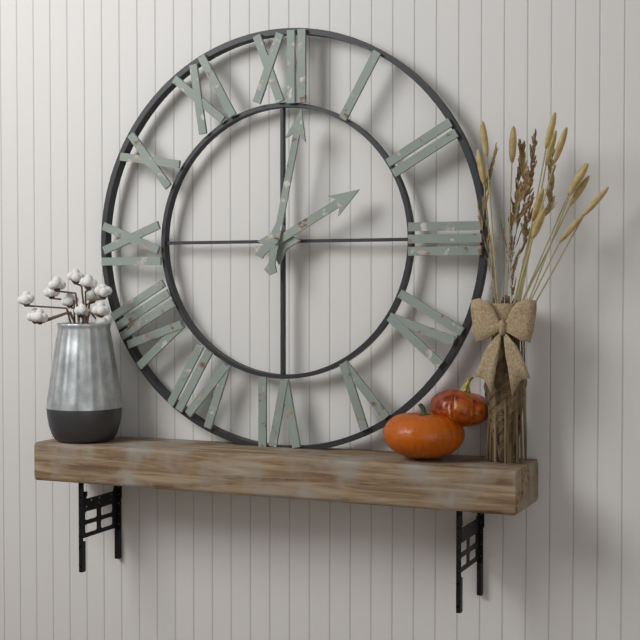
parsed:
2:02
